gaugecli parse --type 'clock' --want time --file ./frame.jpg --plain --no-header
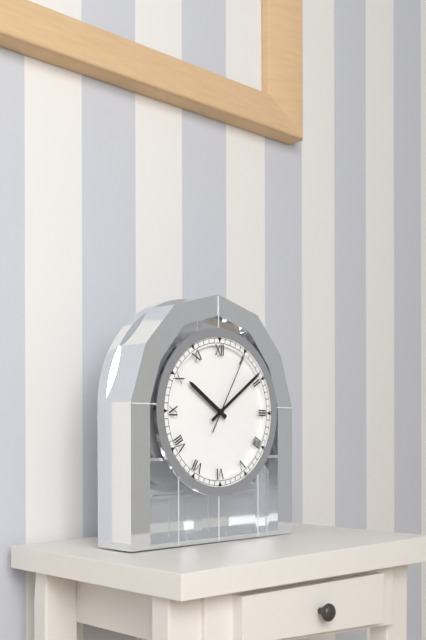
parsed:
10:09:05
